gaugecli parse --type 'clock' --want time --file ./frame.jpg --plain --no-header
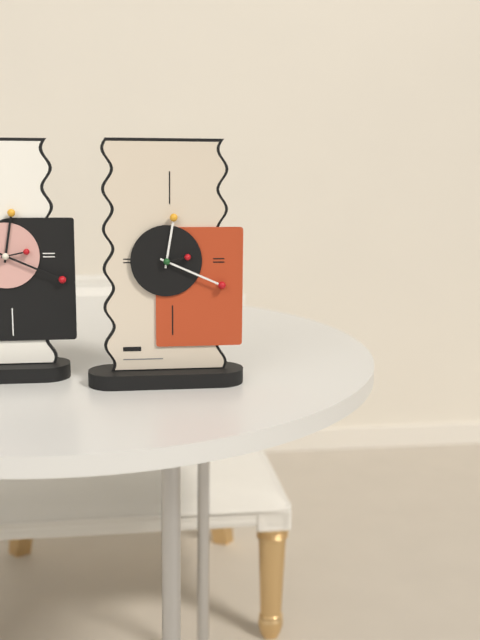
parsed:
12:19
